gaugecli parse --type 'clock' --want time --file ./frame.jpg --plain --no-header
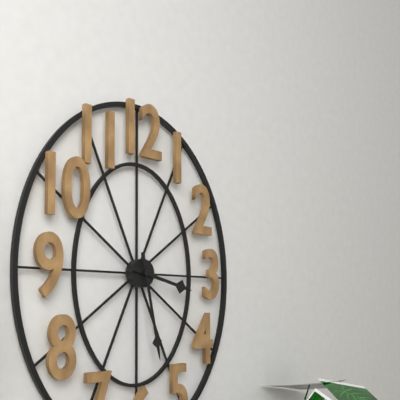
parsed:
3:28
